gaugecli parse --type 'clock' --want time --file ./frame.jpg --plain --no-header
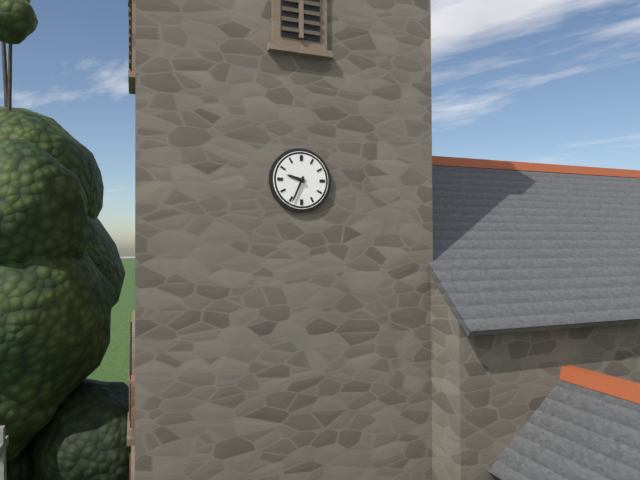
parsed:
9:34
